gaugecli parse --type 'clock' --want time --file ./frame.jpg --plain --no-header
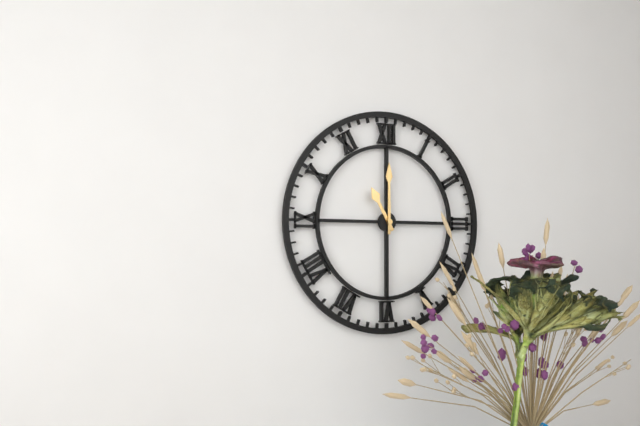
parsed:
11:00
